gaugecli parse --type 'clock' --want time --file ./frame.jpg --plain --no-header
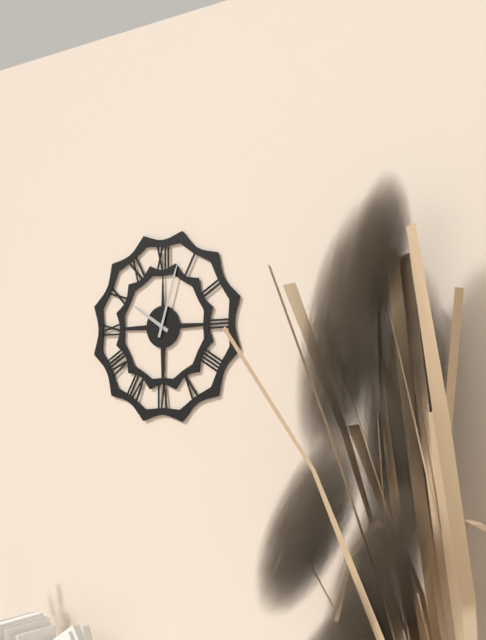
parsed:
10:03
